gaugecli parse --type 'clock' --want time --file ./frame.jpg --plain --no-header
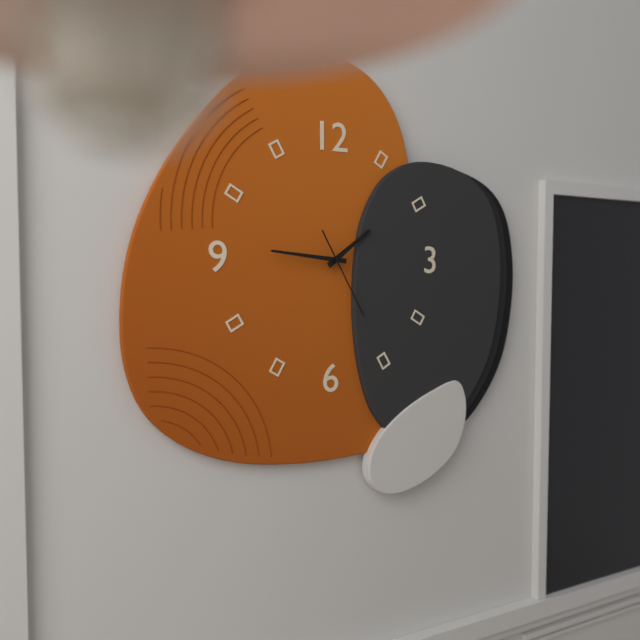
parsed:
1:46:25
